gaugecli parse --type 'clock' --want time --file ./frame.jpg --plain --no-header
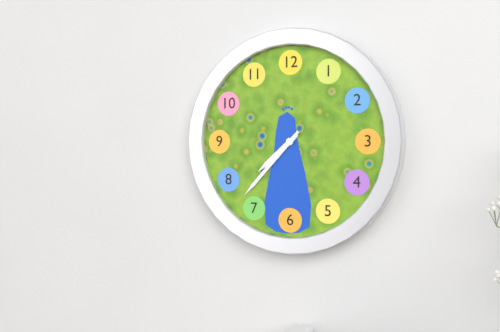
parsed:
7:37
